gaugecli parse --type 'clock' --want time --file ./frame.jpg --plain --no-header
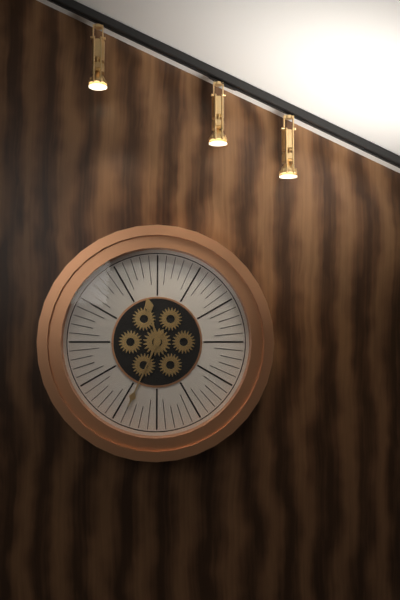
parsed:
11:34
